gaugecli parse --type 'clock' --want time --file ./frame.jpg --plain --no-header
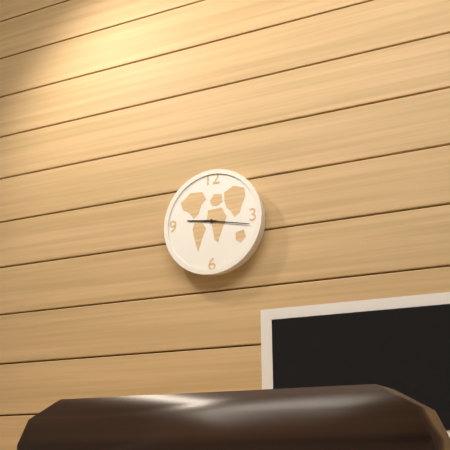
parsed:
9:17
